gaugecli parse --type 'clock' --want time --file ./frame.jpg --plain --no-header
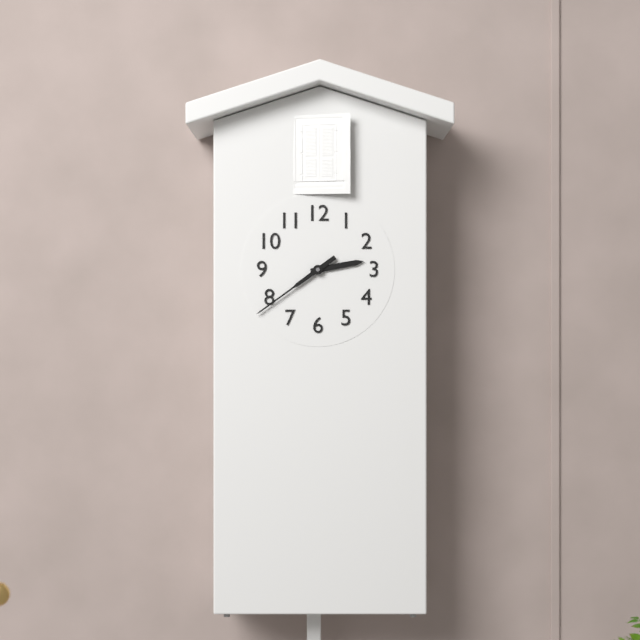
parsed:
2:39
